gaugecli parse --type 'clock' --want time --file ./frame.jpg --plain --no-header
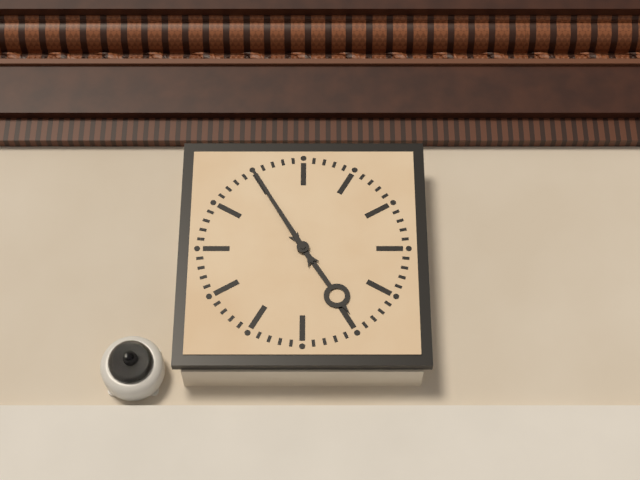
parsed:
4:55
